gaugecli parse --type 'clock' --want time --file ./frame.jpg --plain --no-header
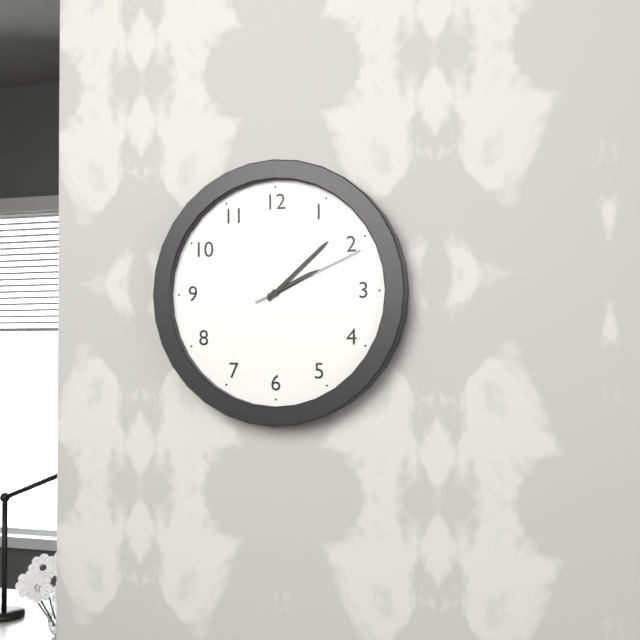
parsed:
2:08:11
